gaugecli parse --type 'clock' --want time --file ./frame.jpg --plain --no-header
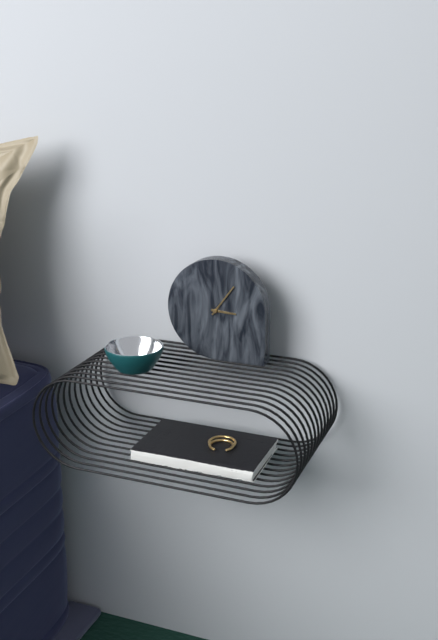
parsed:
3:06
